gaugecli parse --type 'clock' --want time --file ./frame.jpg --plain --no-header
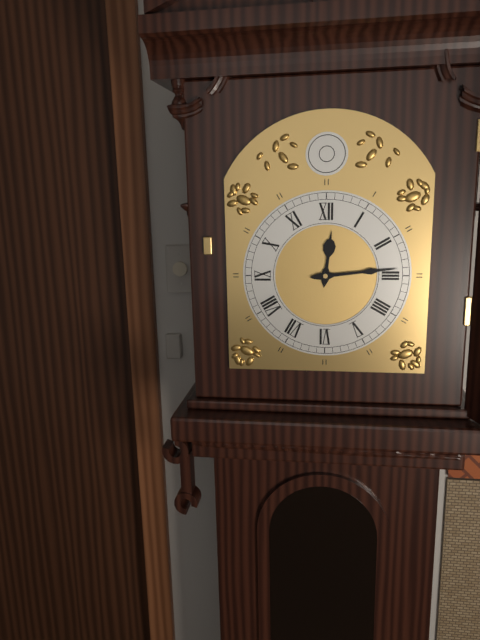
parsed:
12:14
